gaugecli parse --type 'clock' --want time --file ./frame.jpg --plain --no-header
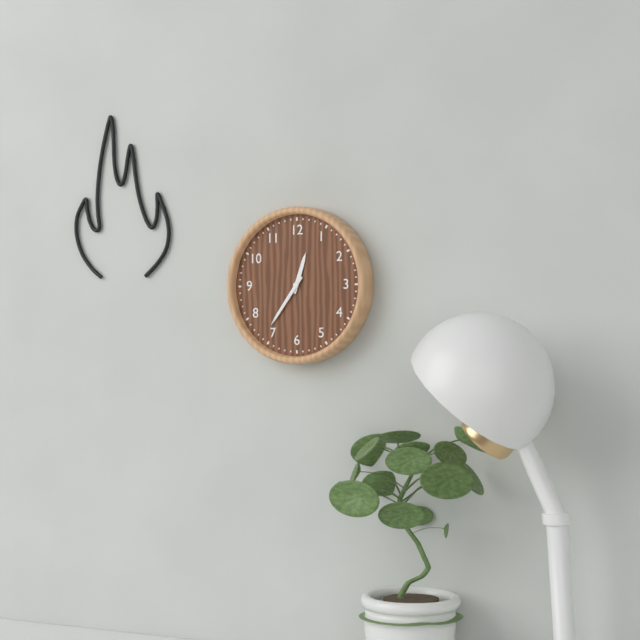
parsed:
12:36
